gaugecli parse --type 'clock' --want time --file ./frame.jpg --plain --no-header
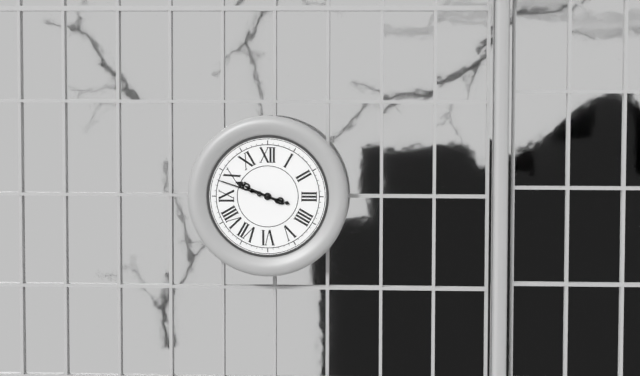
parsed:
9:48
